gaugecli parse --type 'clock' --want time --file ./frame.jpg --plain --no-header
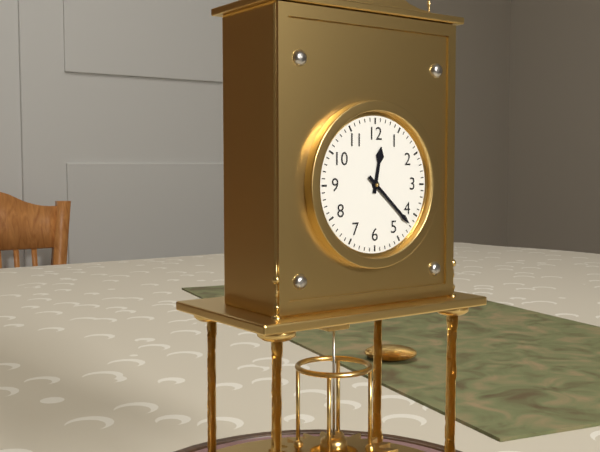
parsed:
12:22
